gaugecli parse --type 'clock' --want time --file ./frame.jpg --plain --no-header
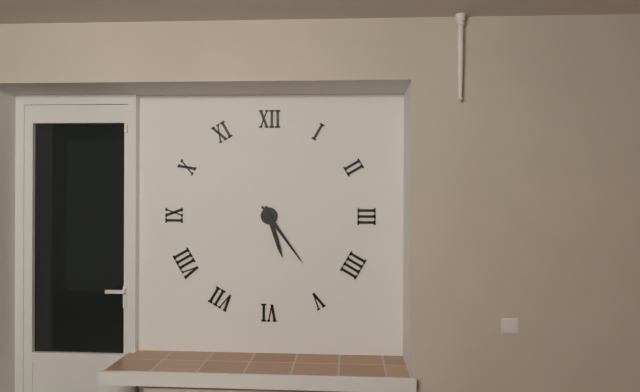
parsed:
5:24
